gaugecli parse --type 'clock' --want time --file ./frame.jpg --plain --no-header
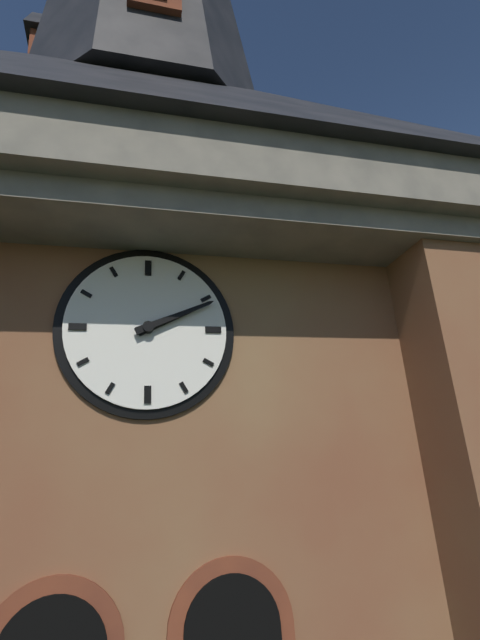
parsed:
2:11
